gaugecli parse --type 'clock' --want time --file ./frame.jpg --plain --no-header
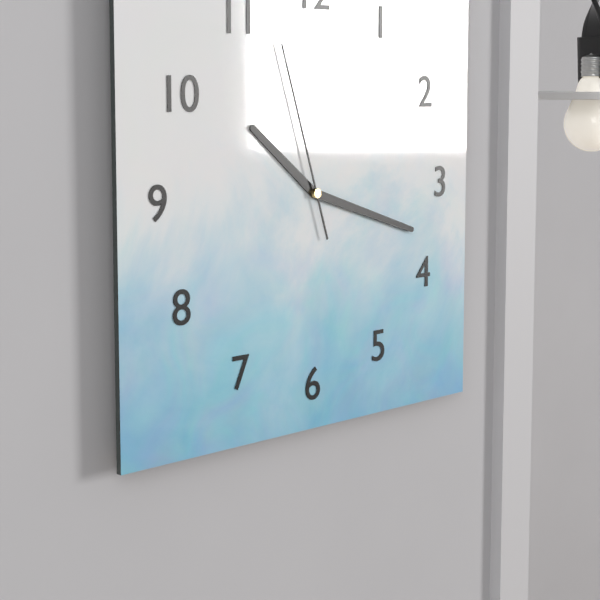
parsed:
10:18:57
